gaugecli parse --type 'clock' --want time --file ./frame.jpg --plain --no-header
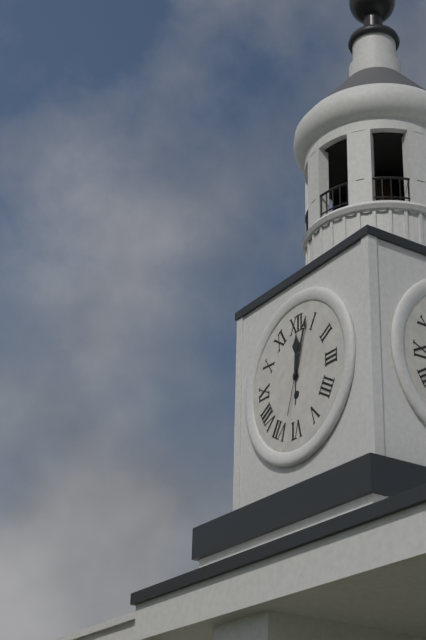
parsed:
12:03
